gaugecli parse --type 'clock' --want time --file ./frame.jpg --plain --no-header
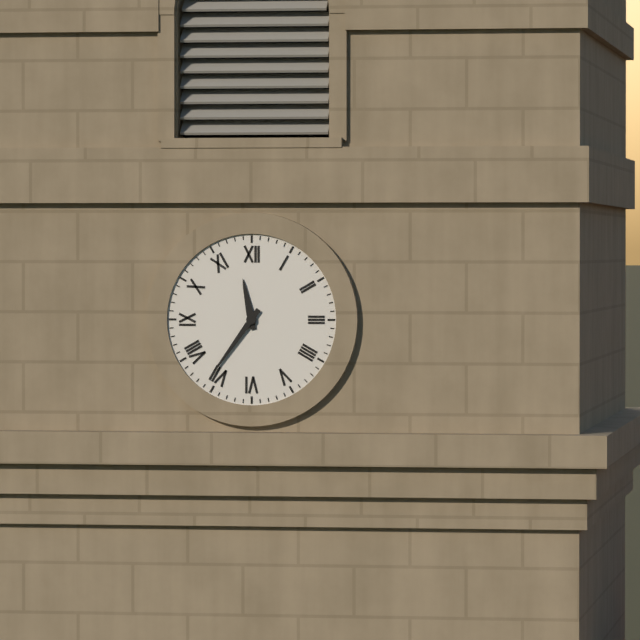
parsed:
11:36
